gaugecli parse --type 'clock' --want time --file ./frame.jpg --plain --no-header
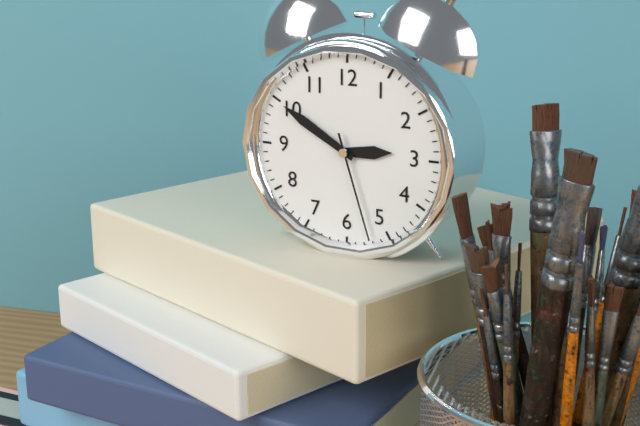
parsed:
2:50:27
